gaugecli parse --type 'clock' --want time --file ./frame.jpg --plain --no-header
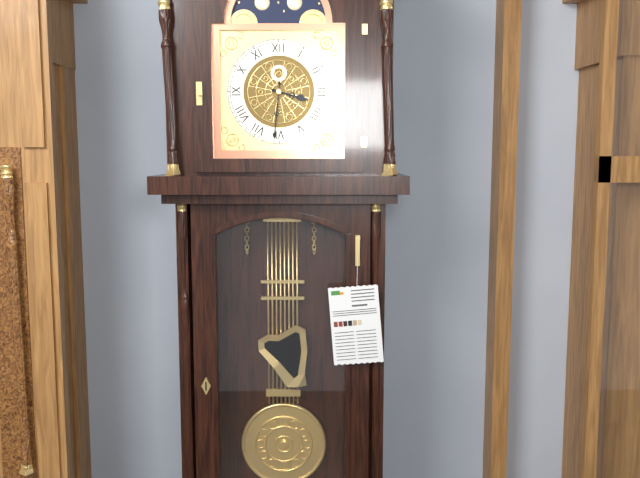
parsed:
3:31
